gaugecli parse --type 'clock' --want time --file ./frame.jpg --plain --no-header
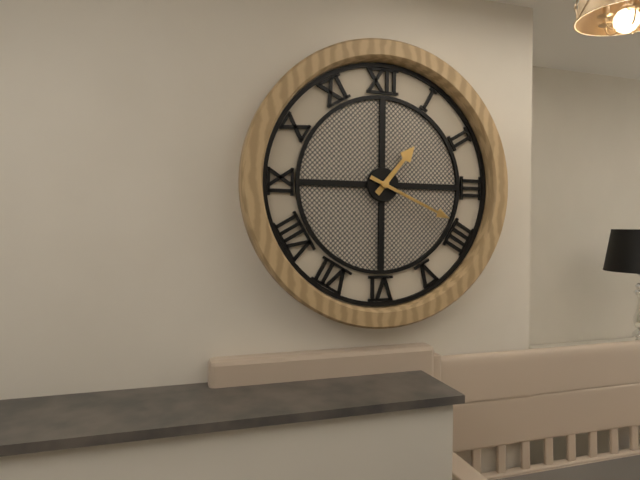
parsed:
1:19
